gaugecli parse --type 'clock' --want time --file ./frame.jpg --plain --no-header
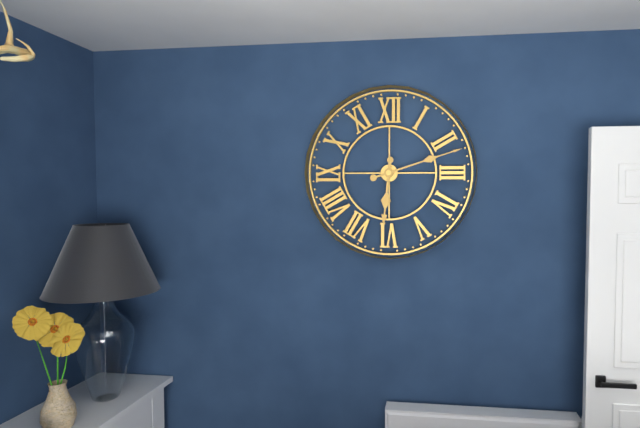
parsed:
6:12
